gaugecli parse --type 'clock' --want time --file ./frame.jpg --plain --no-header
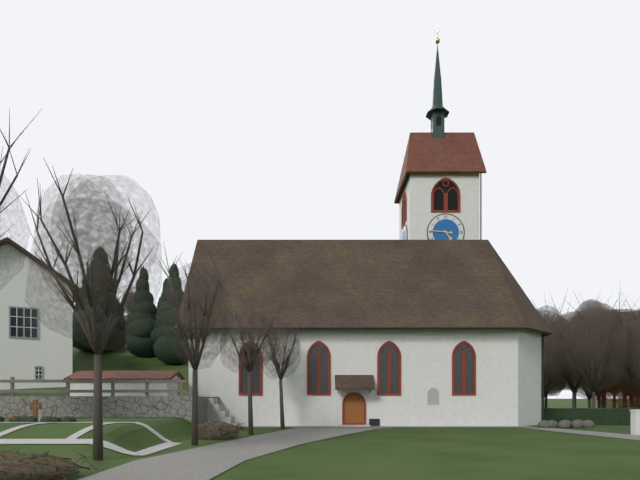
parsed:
4:46
